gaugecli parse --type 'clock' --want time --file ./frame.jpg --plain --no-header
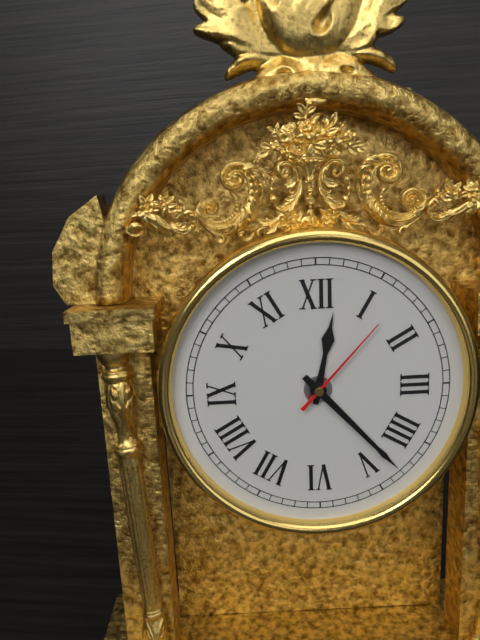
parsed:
12:23:07
